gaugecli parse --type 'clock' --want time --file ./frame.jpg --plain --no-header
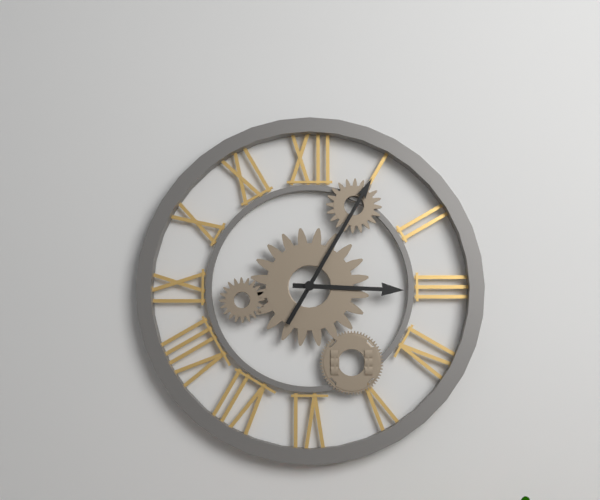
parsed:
3:05
